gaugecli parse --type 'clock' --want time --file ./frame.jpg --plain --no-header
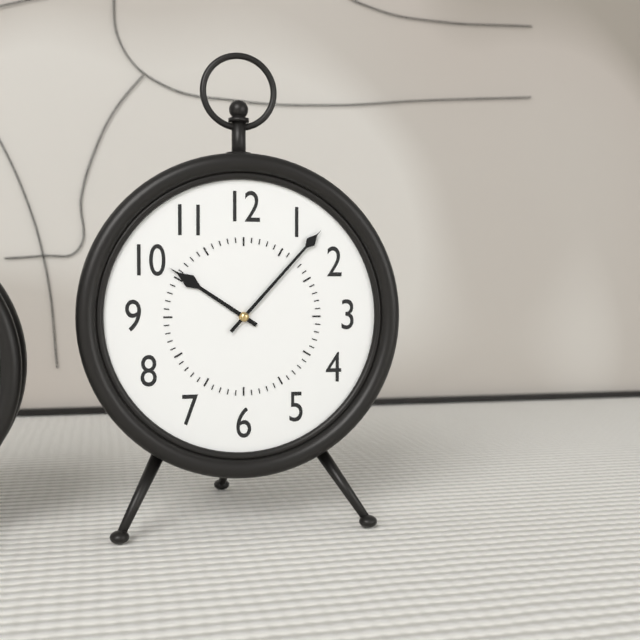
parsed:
10:07
